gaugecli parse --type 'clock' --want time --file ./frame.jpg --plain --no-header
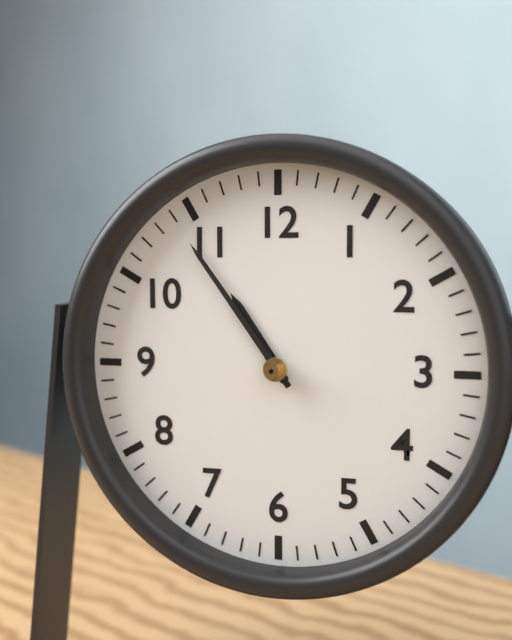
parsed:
10:54
